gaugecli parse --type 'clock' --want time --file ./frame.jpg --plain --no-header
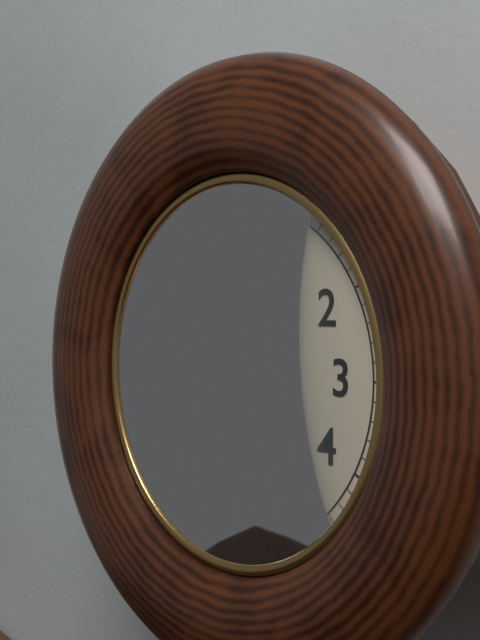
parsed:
10:34
